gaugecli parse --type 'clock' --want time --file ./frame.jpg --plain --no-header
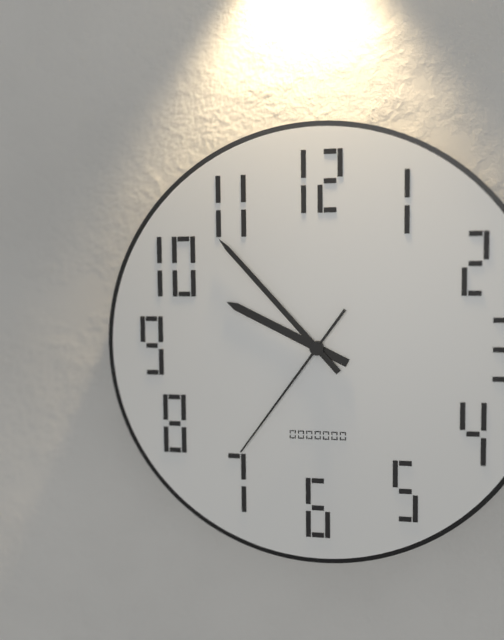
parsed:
9:53:36
